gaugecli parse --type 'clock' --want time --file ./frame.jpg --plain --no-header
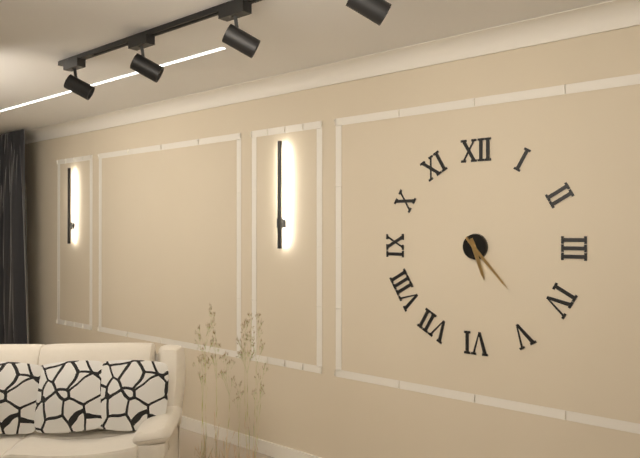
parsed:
5:23
